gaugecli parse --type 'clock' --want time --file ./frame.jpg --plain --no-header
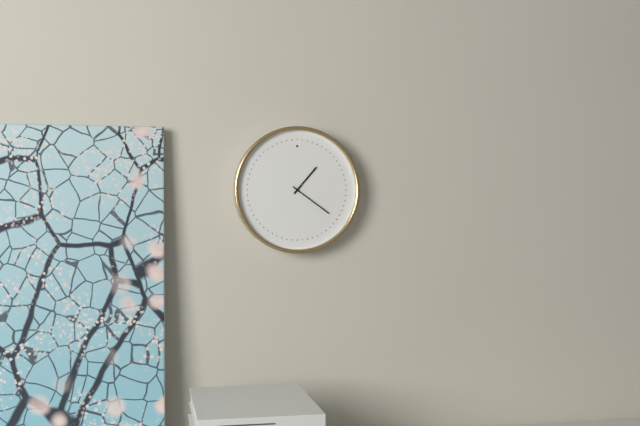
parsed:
1:21
